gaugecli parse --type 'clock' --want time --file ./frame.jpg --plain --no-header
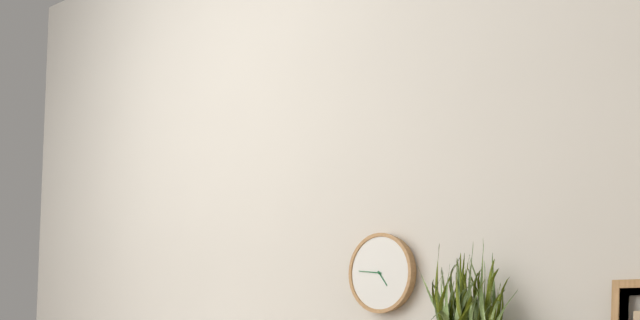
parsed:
4:46
